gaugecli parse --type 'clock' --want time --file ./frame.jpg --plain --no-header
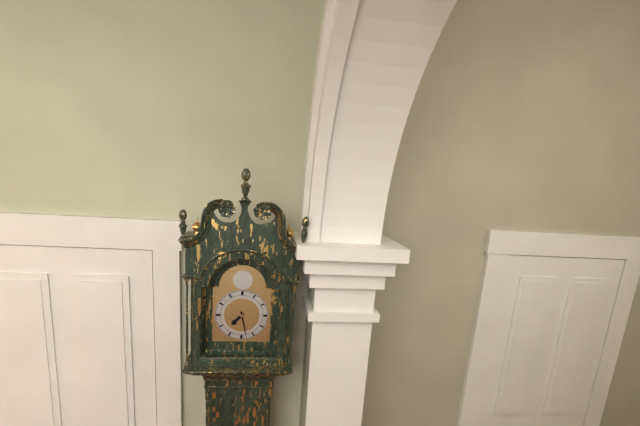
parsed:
7:28
